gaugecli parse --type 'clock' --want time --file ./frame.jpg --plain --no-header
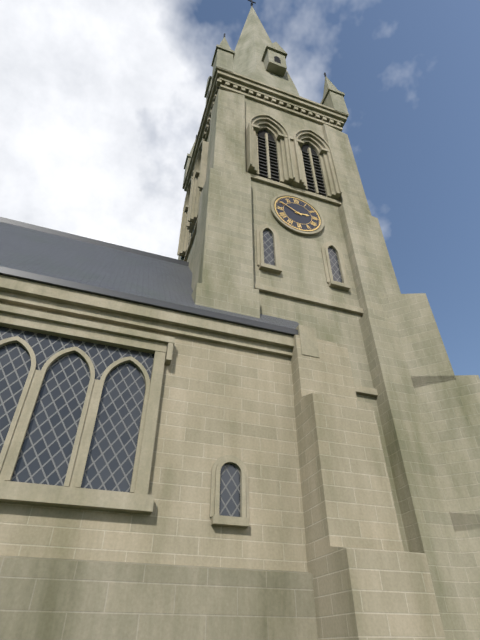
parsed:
2:50
